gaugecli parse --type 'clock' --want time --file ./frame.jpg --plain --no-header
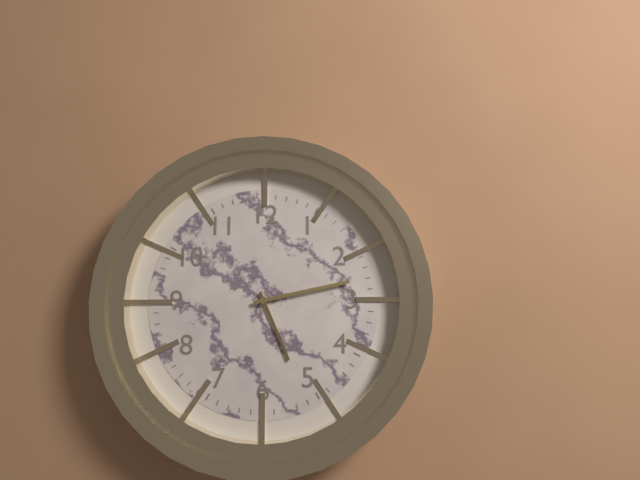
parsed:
5:13
